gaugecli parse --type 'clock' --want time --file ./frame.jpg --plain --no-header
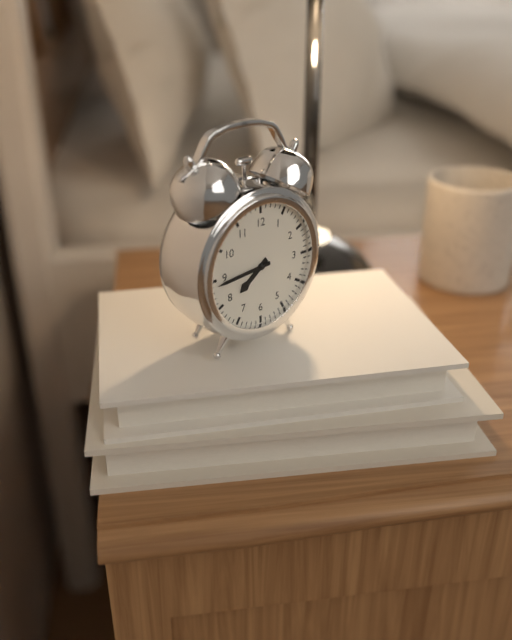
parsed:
7:44
